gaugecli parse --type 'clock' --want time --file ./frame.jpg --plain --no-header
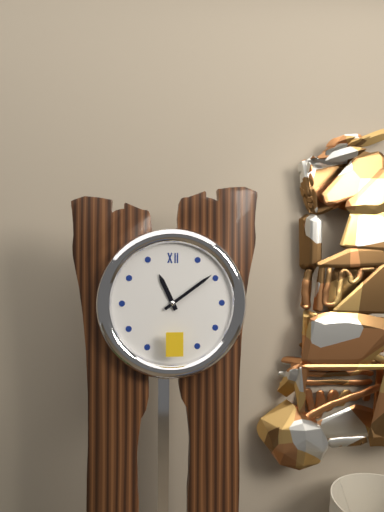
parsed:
11:09
